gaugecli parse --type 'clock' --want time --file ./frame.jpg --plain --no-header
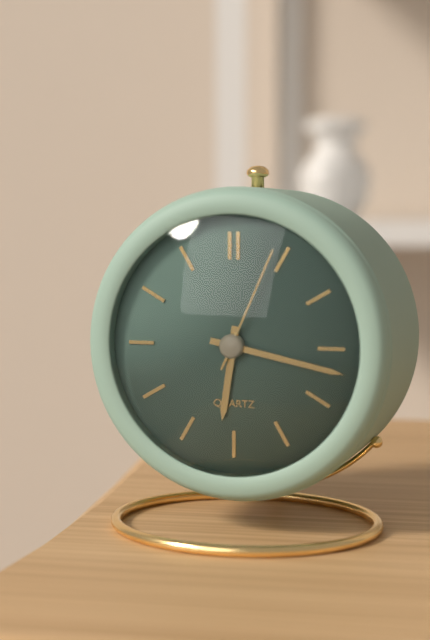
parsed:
6:17:04
